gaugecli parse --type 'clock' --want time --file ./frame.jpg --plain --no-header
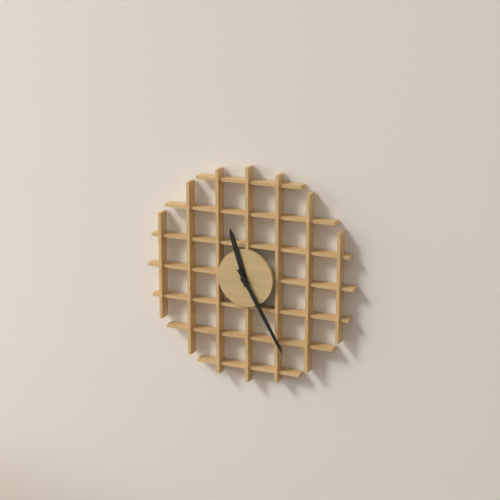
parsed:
11:25
